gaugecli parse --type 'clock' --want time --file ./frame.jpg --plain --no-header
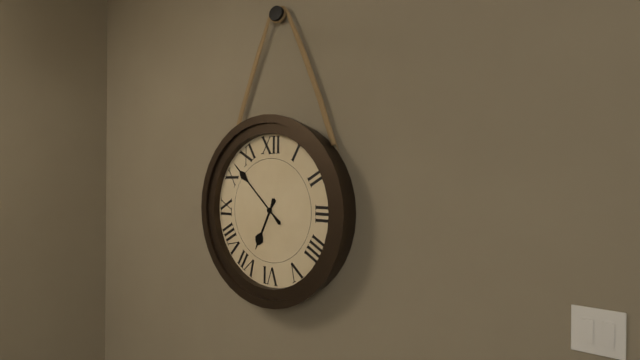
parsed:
6:52
